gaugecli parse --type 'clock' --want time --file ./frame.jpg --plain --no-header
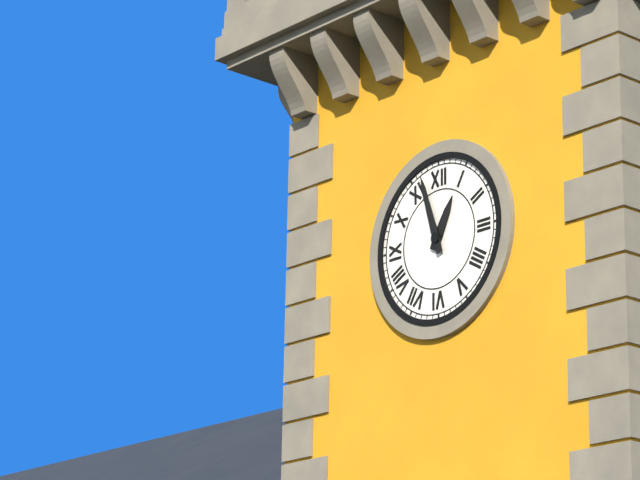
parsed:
12:57
